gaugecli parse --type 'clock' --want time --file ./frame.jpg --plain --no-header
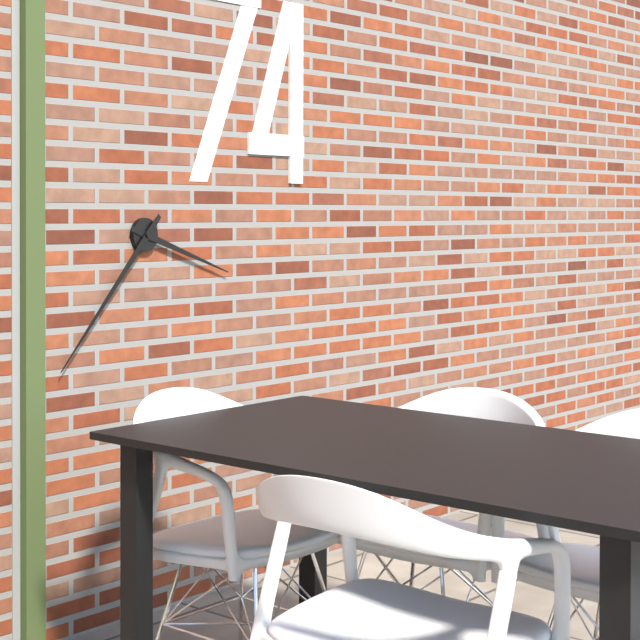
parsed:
3:37
